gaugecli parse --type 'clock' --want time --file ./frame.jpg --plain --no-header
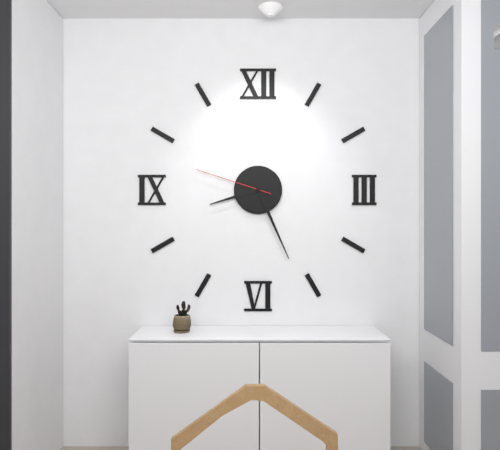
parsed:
8:26:48
